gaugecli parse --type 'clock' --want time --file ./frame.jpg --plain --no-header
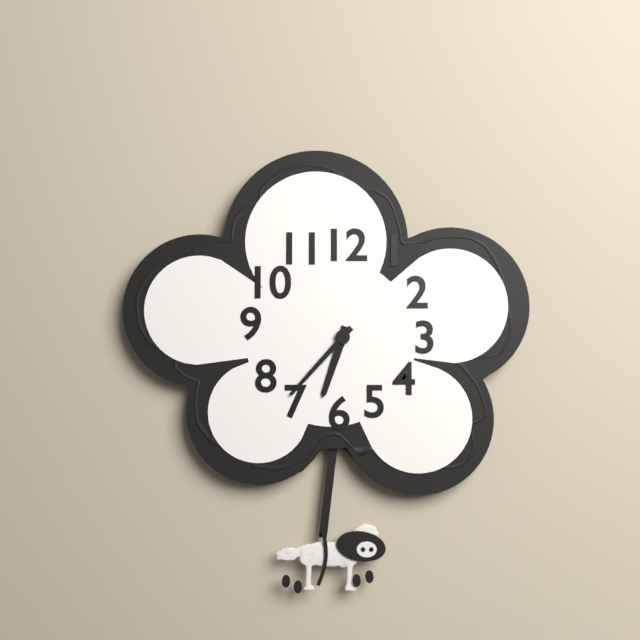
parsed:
6:37
